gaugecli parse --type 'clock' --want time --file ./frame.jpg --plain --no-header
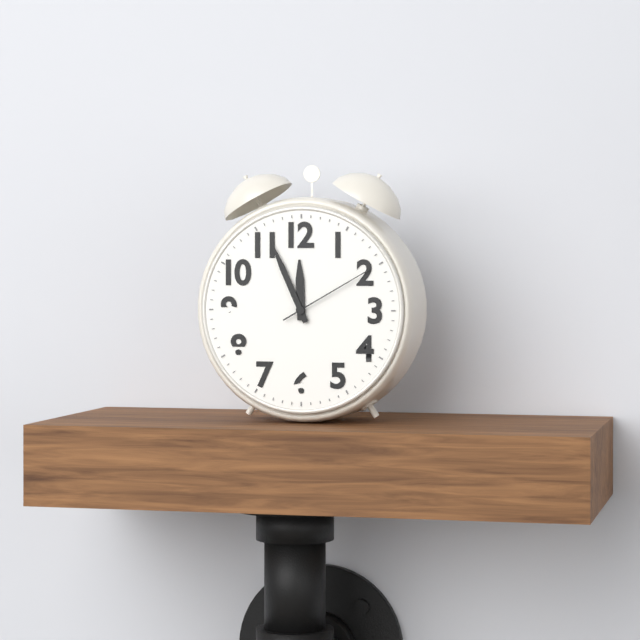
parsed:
11:56:10
